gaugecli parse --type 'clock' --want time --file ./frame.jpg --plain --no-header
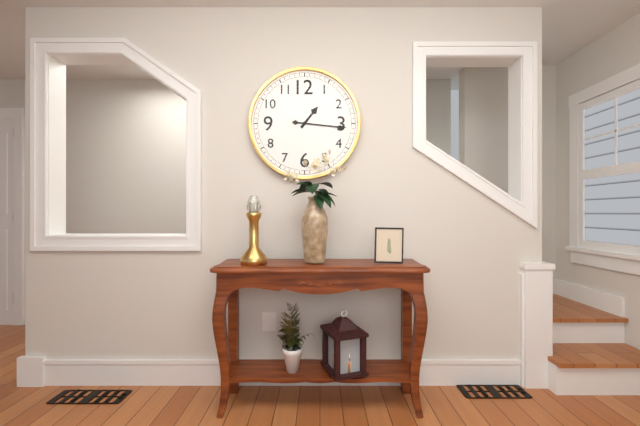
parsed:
1:16
